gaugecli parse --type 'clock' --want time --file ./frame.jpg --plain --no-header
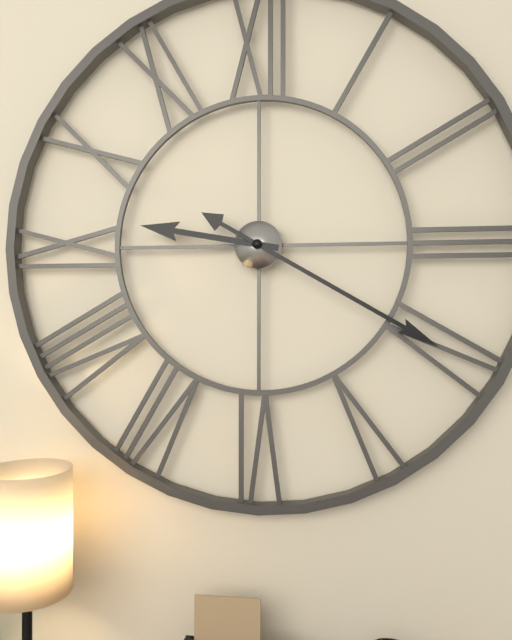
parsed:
9:20
